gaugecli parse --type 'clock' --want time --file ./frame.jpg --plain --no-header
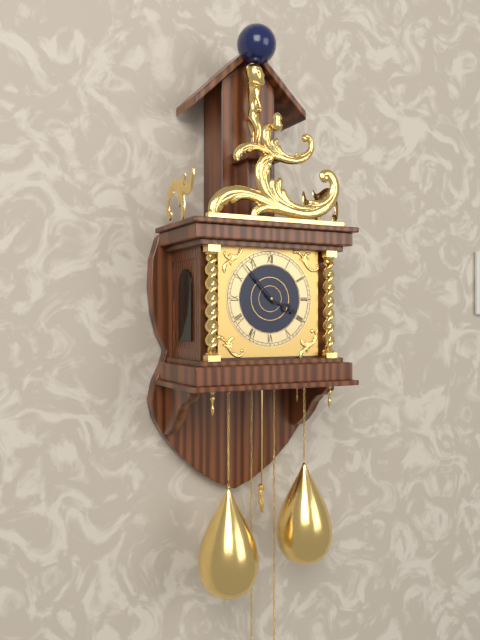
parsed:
3:53
